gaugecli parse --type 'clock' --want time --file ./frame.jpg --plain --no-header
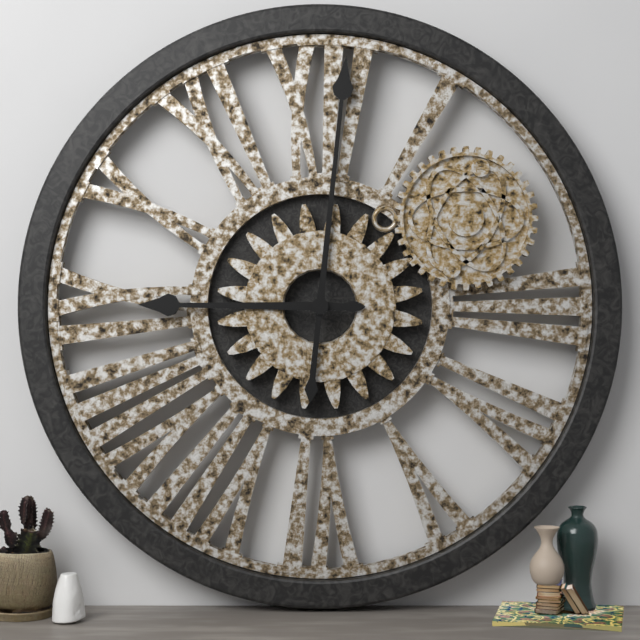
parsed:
9:01
